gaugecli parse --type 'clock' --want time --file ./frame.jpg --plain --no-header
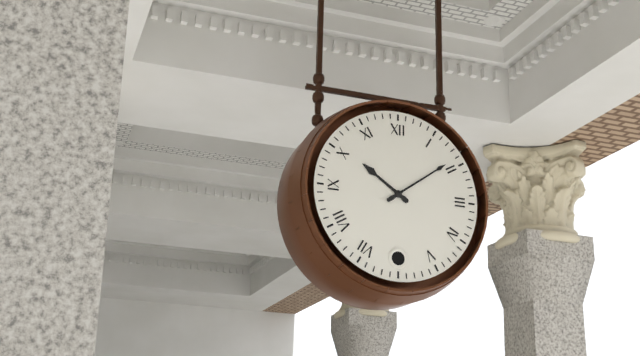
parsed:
10:09
